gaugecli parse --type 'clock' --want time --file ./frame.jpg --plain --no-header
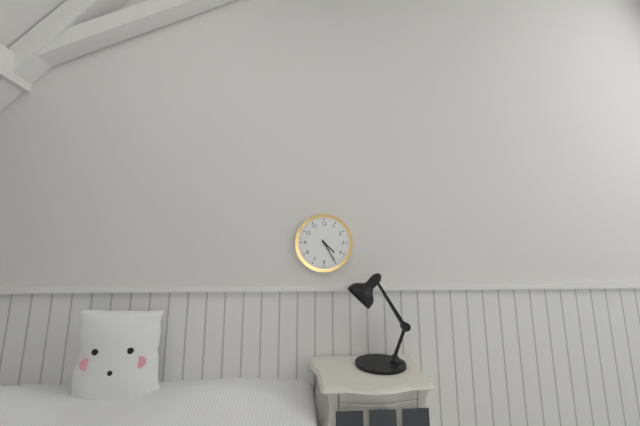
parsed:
4:25
